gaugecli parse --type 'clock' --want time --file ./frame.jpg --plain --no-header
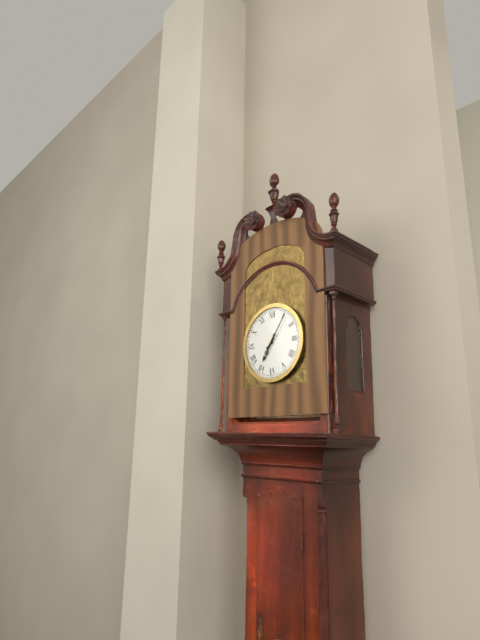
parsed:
7:06
